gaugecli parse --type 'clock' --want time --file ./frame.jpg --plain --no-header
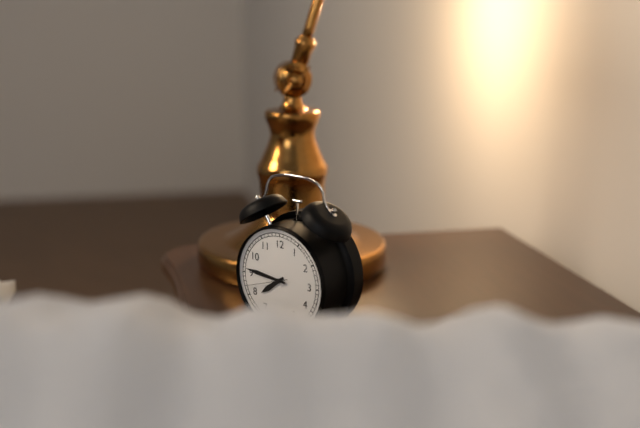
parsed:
7:46:42
